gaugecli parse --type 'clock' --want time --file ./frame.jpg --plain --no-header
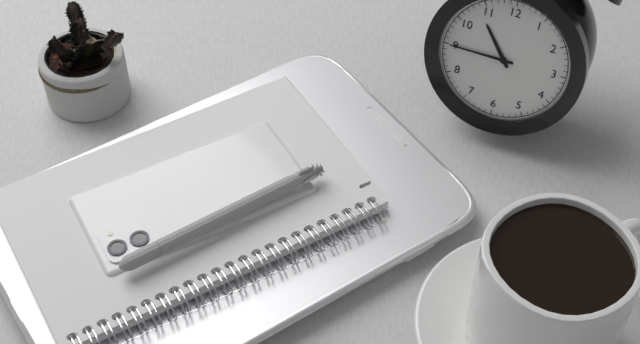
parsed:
10:45
